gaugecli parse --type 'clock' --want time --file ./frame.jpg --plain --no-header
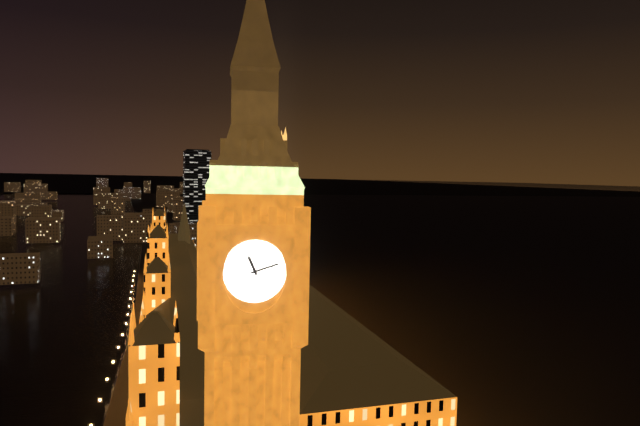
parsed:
11:12
